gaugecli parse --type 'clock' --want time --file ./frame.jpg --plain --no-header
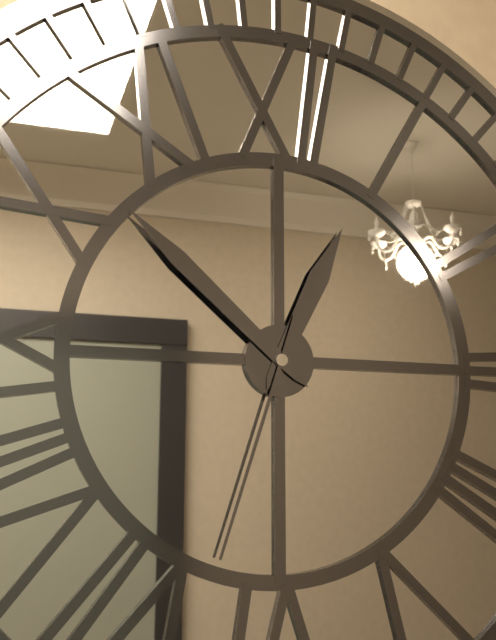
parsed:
12:52:33
